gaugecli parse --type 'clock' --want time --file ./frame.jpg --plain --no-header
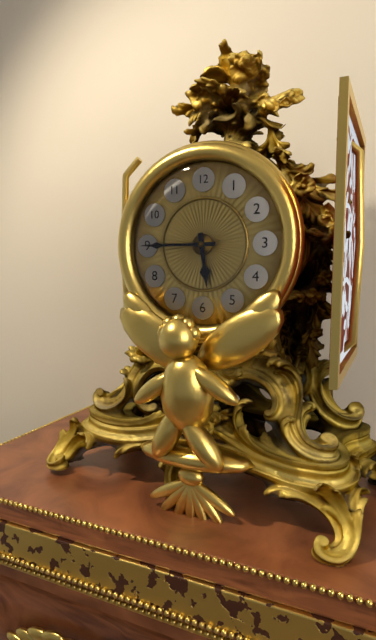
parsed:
5:45
